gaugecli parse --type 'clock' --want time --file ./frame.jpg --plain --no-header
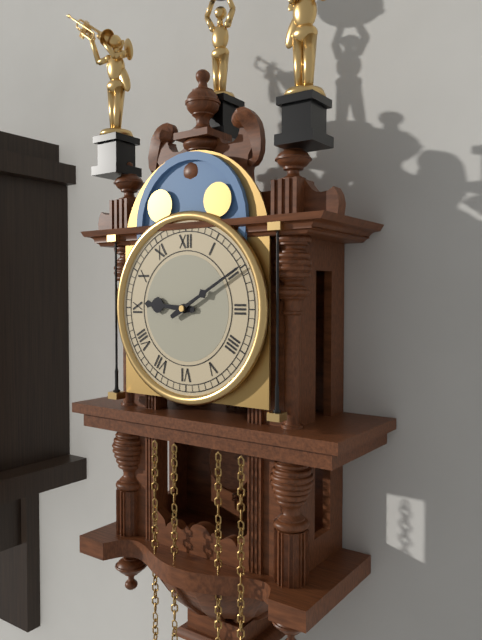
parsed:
9:10
